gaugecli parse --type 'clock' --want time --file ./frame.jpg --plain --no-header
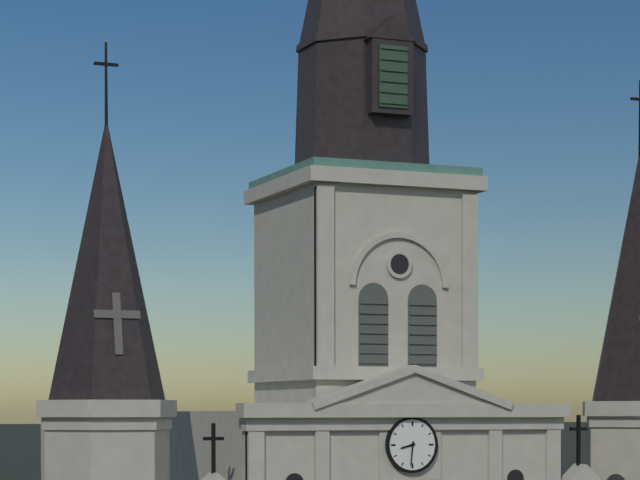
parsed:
8:31
